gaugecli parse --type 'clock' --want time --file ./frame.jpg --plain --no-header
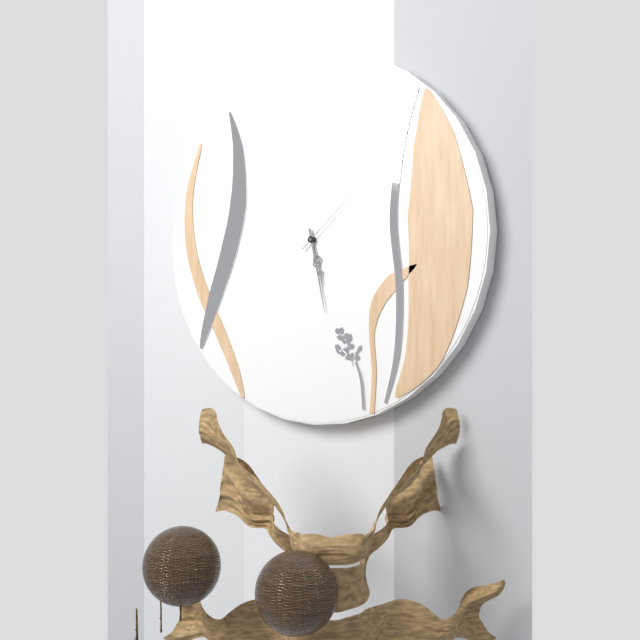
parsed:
5:28:08
